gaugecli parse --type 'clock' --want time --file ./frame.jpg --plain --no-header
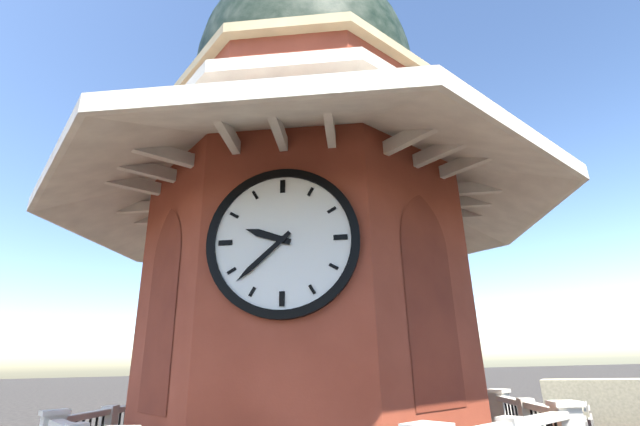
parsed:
9:38
